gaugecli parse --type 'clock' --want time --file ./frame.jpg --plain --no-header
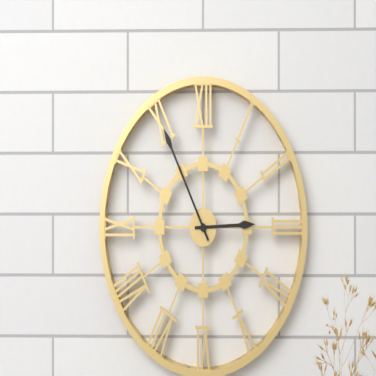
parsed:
2:55
